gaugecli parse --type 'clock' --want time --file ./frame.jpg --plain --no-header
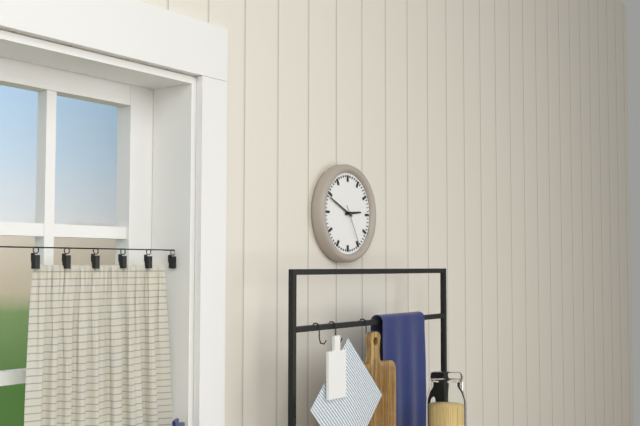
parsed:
2:49
